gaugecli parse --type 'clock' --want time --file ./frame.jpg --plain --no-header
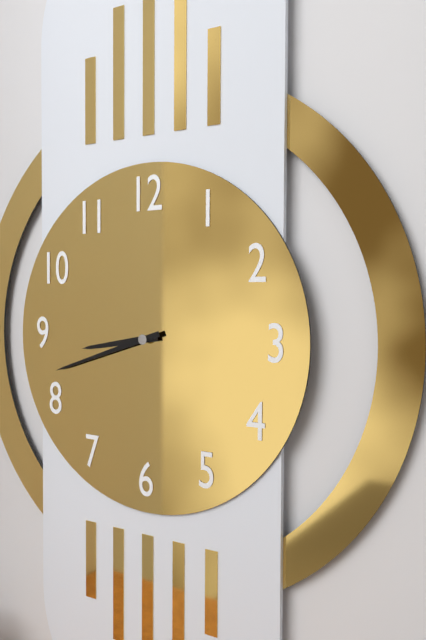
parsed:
8:42
